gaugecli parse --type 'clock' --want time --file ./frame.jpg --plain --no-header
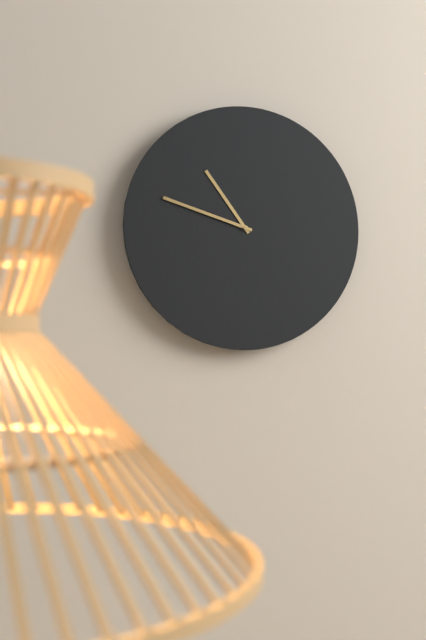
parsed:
10:48
